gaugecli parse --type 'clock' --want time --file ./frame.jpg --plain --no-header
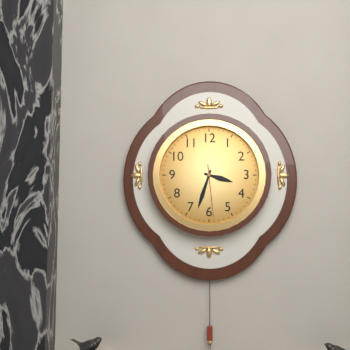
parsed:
3:33:29
